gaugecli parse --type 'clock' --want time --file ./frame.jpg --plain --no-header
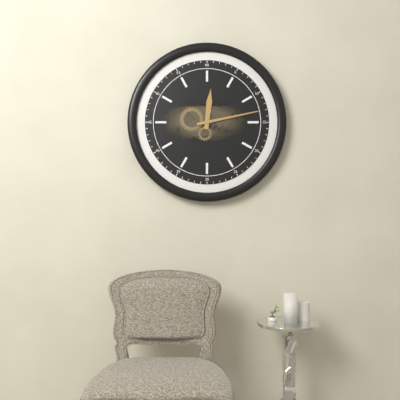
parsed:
12:13
